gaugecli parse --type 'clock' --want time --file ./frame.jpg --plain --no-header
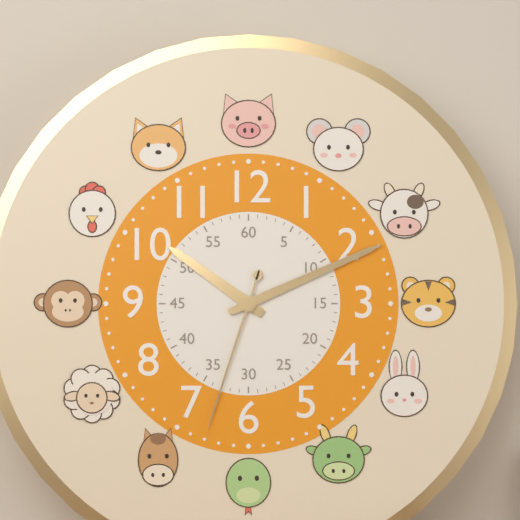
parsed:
10:11:33
